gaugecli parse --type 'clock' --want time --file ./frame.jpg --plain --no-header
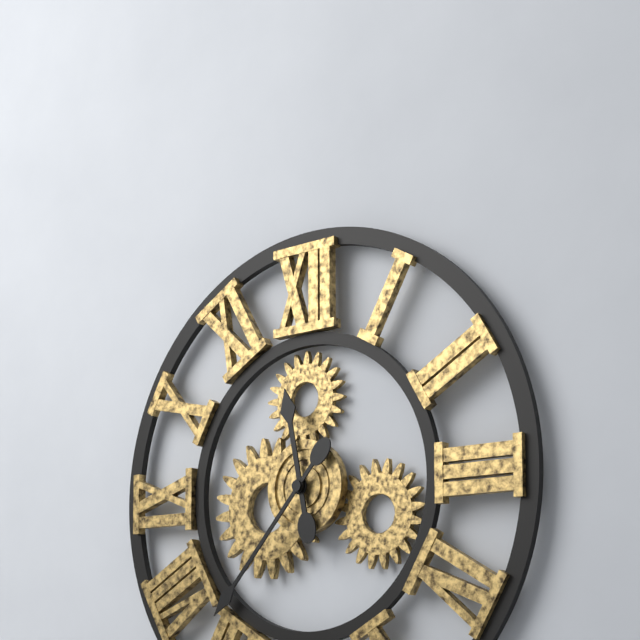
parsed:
11:37
